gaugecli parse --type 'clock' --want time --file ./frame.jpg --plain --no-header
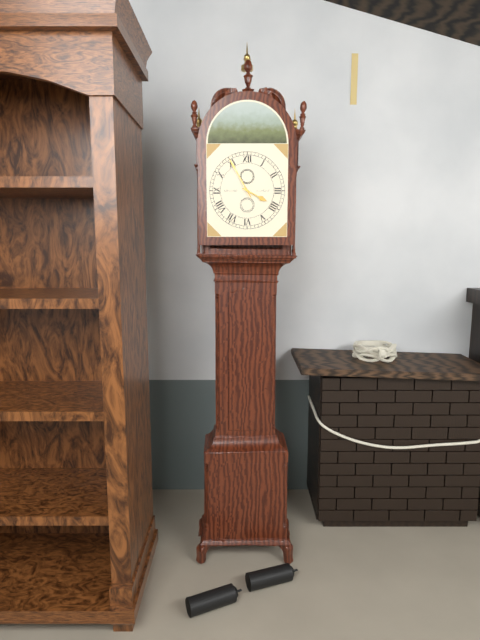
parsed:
3:55
